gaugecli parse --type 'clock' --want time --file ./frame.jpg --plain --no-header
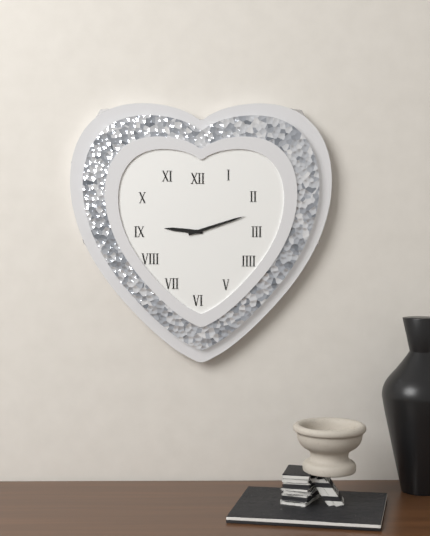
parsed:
9:12
